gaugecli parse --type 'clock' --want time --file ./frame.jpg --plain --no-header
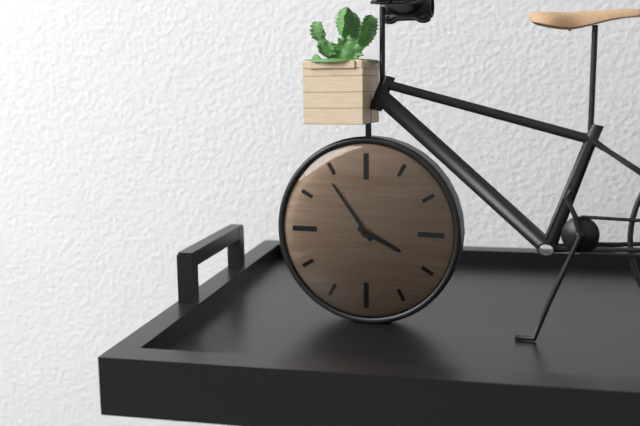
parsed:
3:54
